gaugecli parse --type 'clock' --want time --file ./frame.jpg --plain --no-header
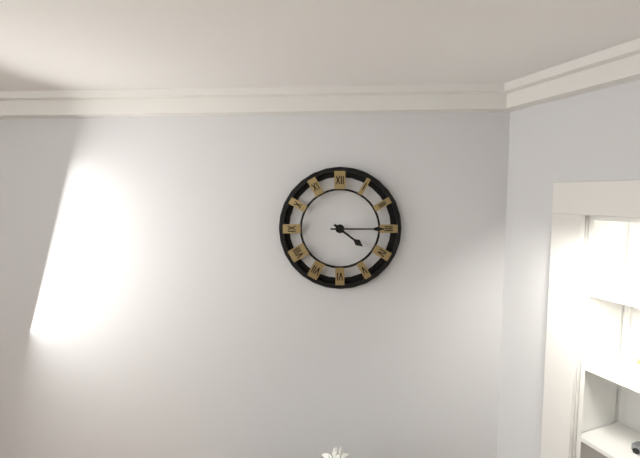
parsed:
4:15
